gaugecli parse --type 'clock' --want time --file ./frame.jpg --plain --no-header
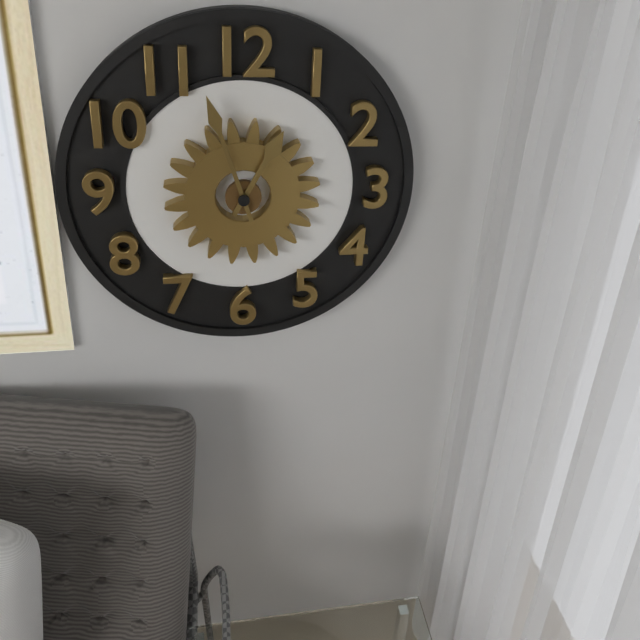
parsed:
12:57
